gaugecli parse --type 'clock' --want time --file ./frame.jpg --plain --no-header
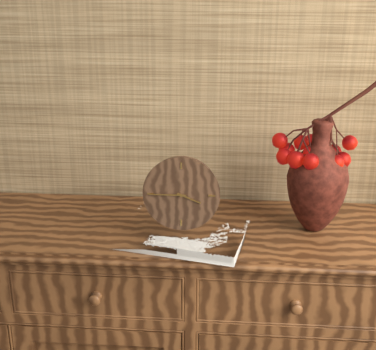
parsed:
3:45
